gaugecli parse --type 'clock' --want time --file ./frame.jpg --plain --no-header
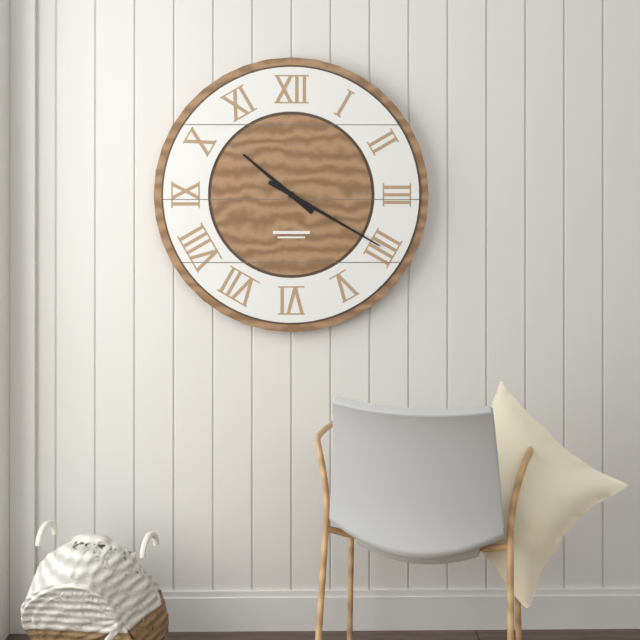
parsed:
10:20
